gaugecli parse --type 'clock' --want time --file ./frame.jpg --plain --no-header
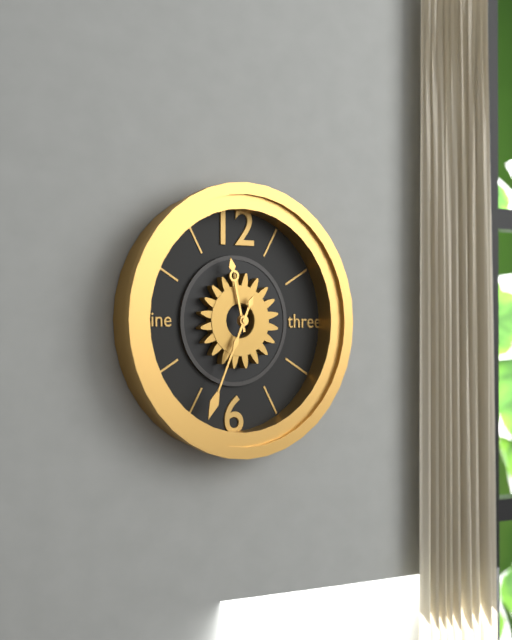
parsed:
11:34
